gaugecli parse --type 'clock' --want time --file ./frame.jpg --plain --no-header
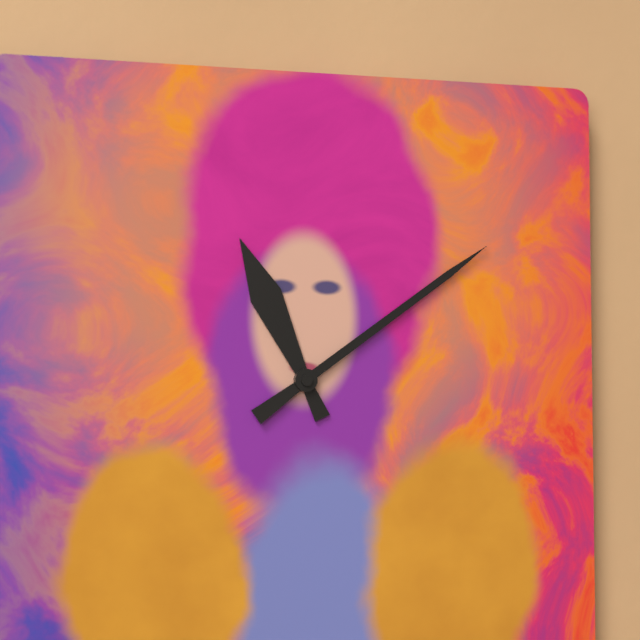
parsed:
11:09
